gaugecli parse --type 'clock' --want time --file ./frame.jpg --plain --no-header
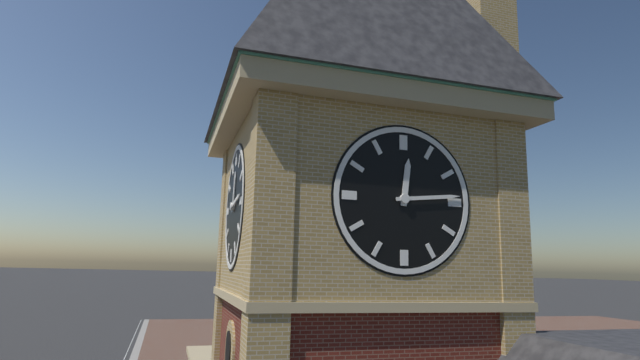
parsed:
12:14
